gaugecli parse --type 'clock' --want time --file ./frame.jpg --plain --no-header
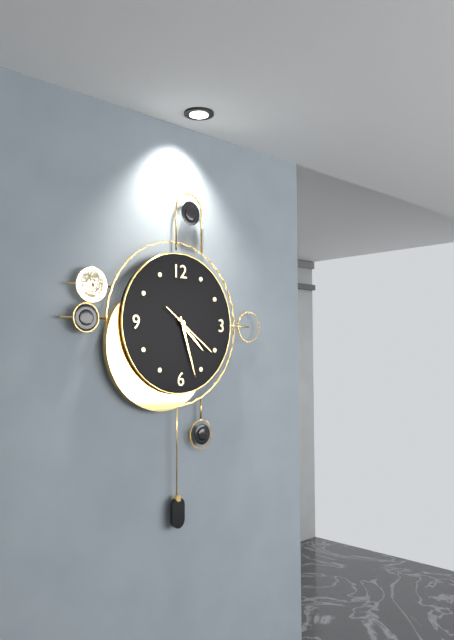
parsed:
4:27:21
